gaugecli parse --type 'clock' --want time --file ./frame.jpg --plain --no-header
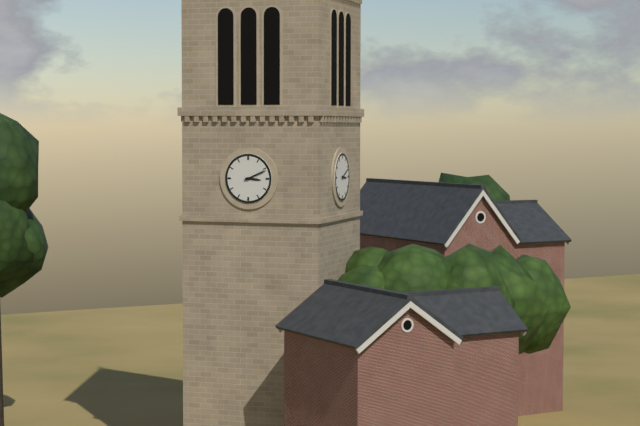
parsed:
3:11
